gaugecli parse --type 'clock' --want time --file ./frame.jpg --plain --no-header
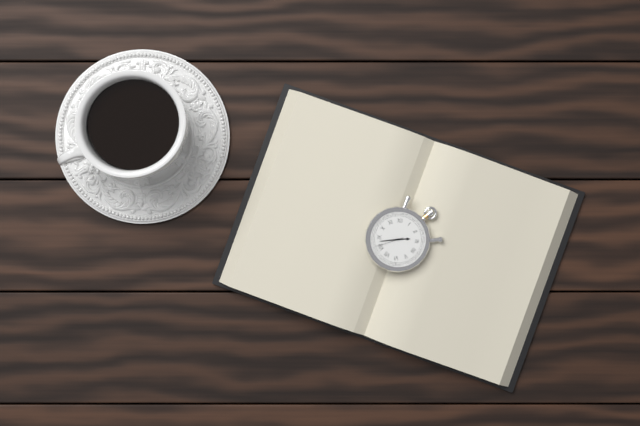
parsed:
2:43
